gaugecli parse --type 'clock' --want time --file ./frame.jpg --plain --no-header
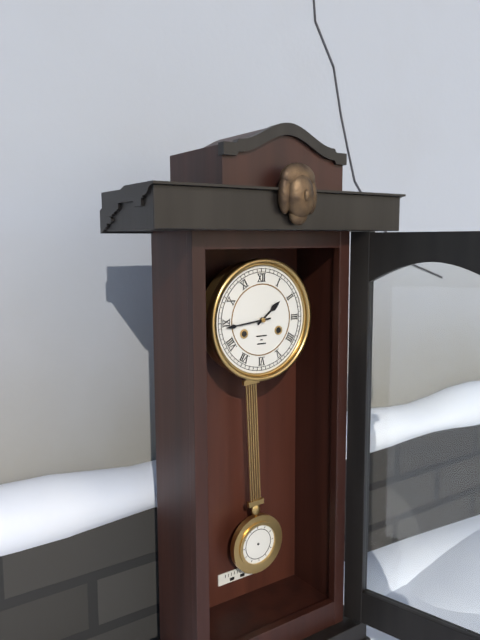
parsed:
1:44
